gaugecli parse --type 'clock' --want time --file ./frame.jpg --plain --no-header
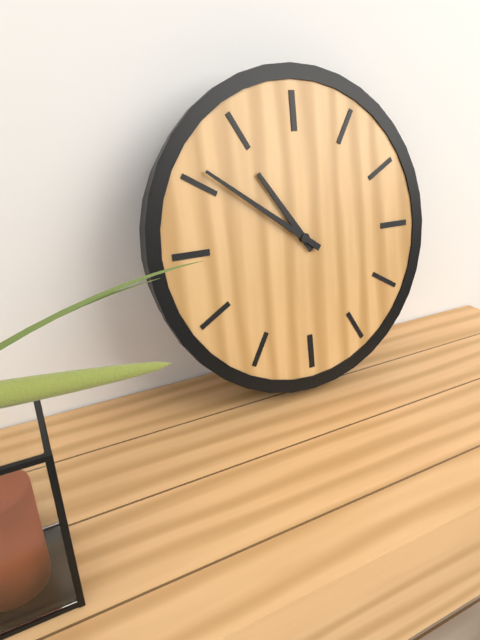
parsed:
10:51
